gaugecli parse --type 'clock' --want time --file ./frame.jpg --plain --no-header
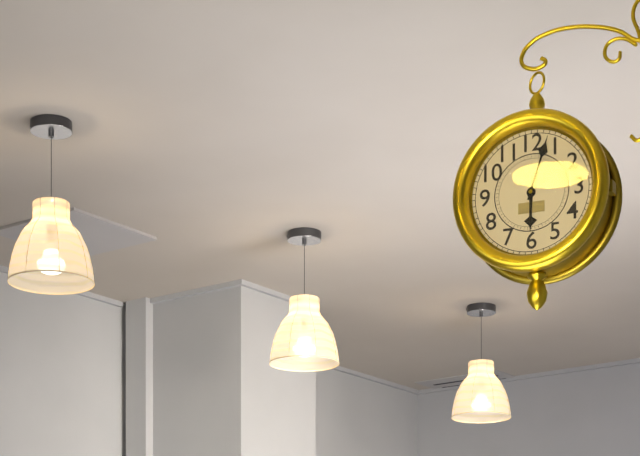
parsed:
6:03
